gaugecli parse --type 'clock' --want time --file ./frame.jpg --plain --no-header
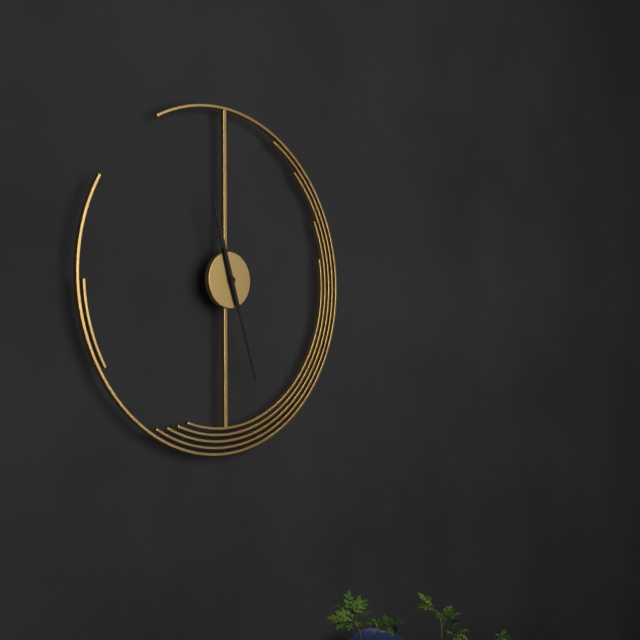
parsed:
11:27
